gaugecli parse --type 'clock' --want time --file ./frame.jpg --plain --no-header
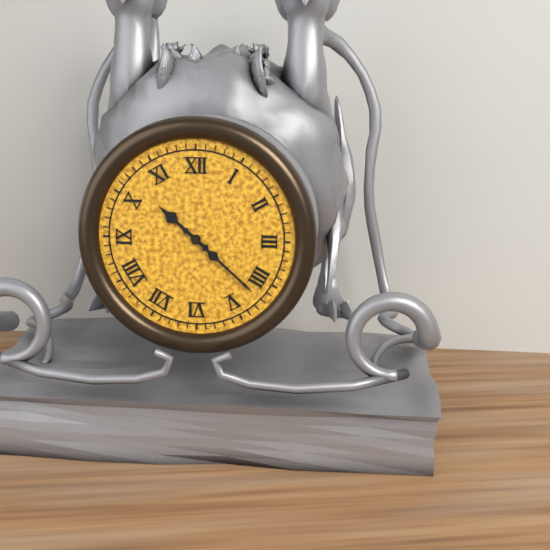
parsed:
10:22
